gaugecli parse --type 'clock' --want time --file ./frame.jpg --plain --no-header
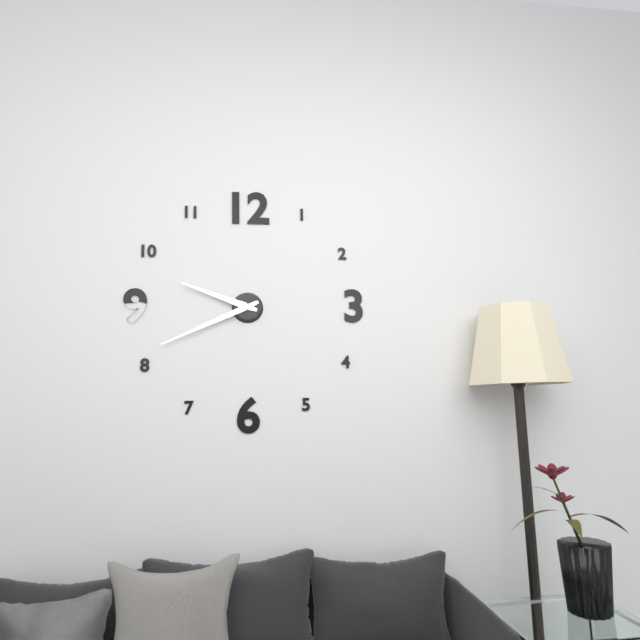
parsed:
9:41
